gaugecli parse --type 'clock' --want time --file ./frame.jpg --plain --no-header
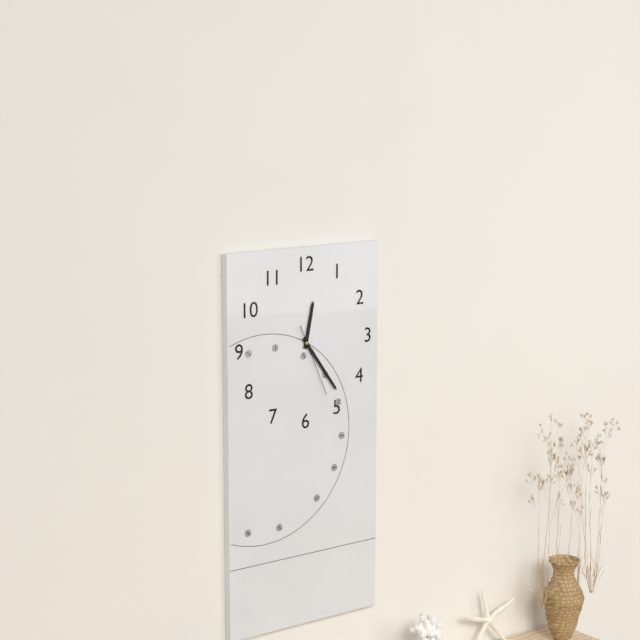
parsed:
12:24:26
